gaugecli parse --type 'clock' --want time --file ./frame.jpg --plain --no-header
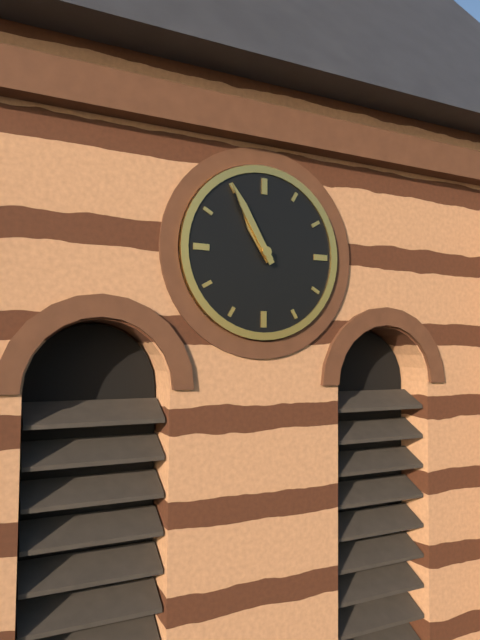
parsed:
10:55
